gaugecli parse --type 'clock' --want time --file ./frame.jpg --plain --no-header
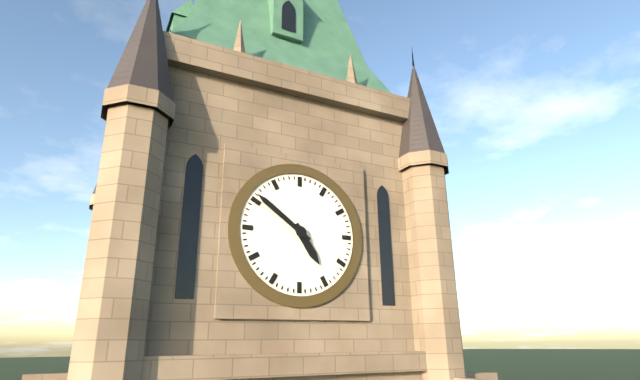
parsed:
4:51
